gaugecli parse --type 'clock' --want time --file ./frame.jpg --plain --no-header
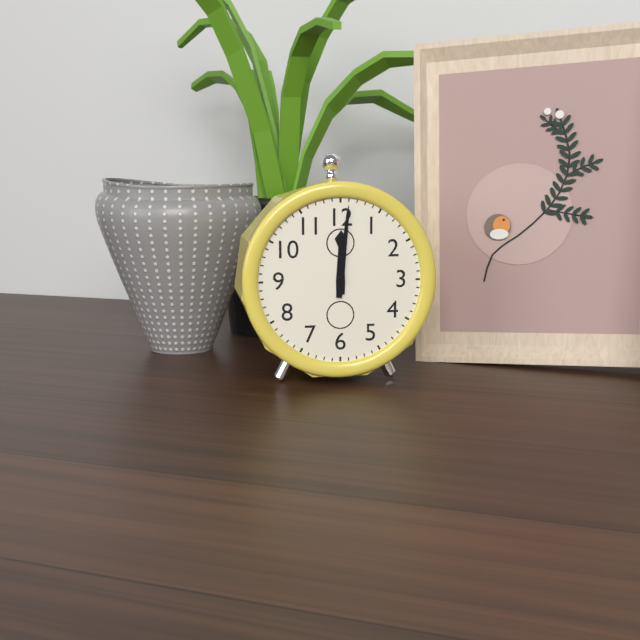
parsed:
12:01
